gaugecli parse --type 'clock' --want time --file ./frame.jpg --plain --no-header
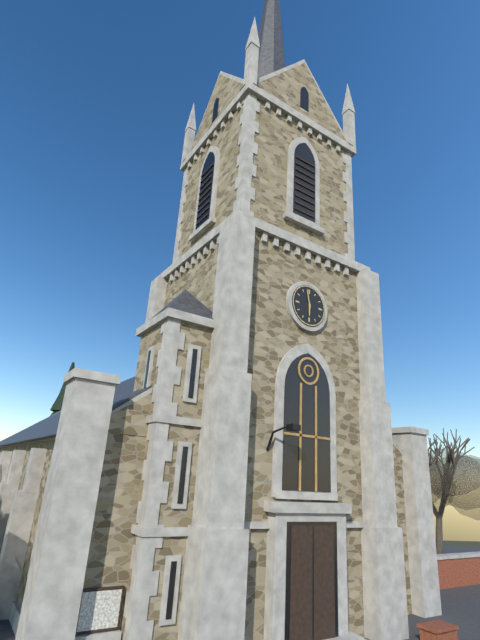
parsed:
5:58
